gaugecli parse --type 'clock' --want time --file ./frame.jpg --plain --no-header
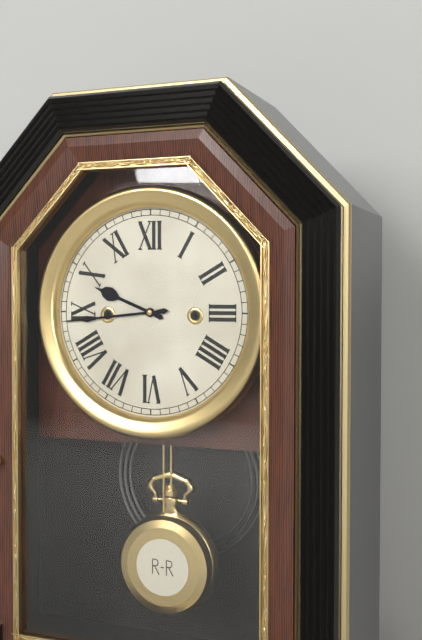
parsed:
9:44
